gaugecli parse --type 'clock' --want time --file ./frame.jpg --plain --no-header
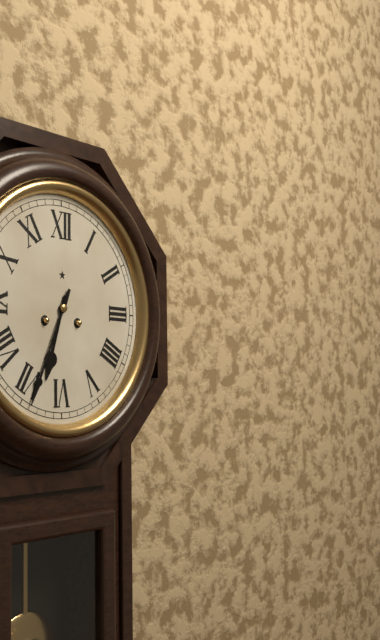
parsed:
6:34
